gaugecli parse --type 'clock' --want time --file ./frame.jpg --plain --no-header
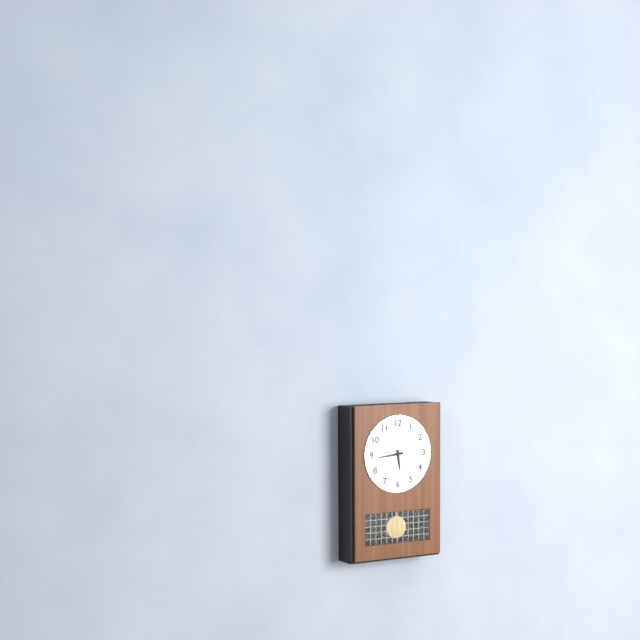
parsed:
5:44
